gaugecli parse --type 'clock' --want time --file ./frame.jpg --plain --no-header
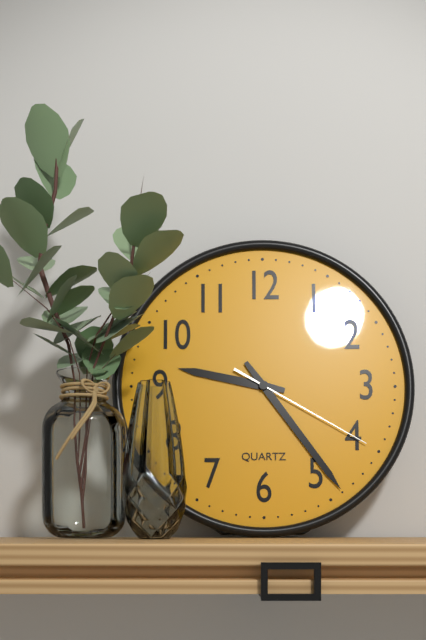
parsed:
9:24:20
